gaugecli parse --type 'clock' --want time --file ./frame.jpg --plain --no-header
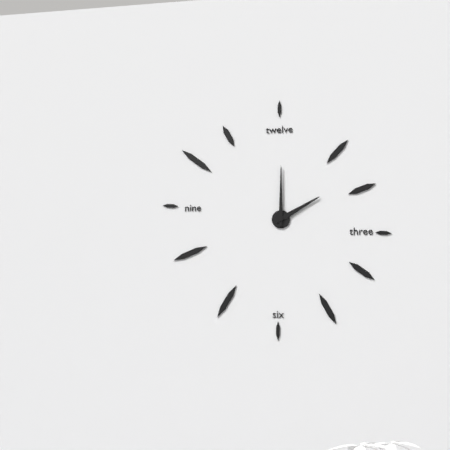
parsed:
2:00
